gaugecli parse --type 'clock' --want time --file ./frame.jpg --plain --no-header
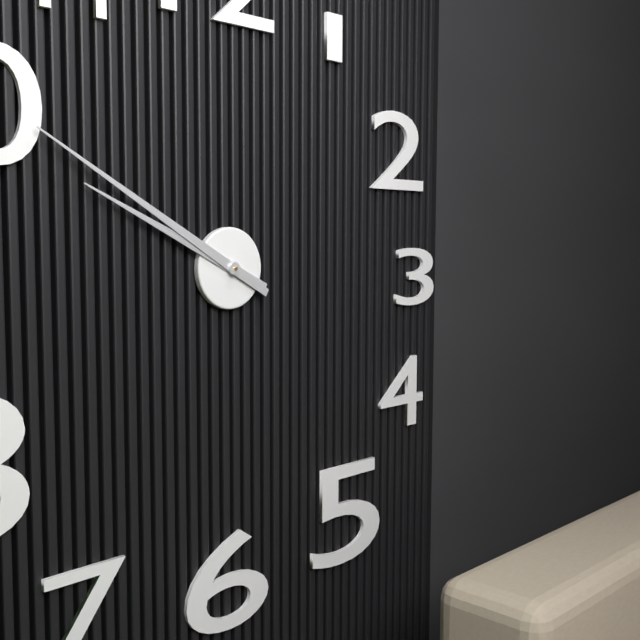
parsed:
9:50
